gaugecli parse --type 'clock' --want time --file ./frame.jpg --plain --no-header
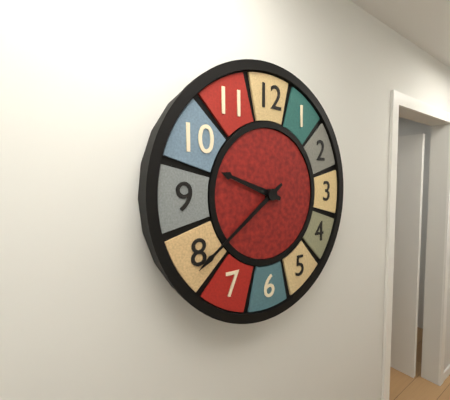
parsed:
9:39
